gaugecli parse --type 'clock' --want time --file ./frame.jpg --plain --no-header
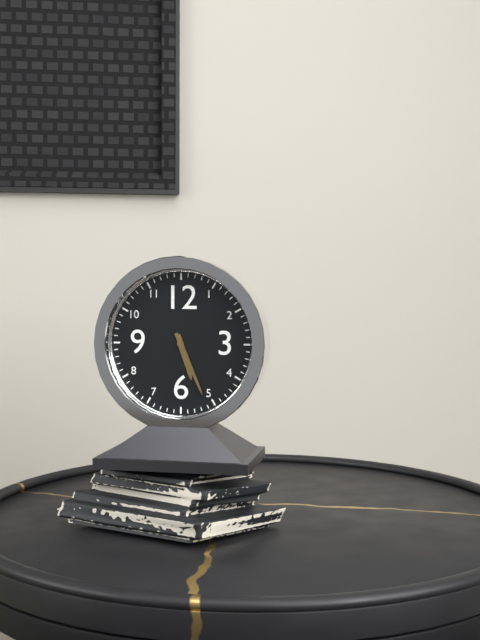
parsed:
5:26
